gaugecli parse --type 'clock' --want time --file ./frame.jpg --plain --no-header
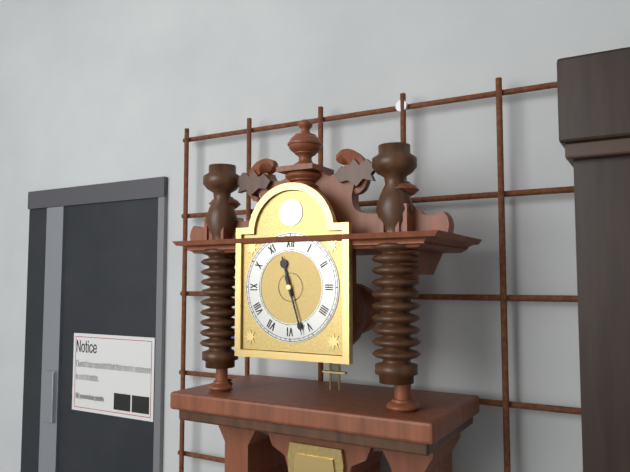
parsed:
11:27
